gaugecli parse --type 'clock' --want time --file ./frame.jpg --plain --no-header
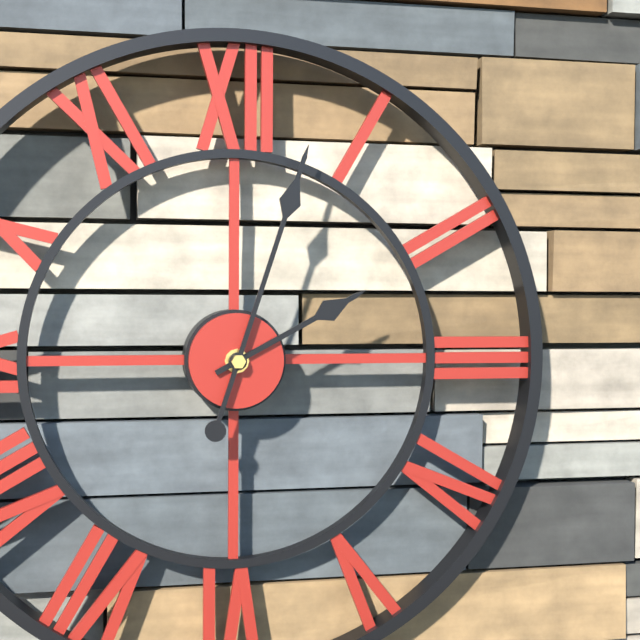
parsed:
2:03
